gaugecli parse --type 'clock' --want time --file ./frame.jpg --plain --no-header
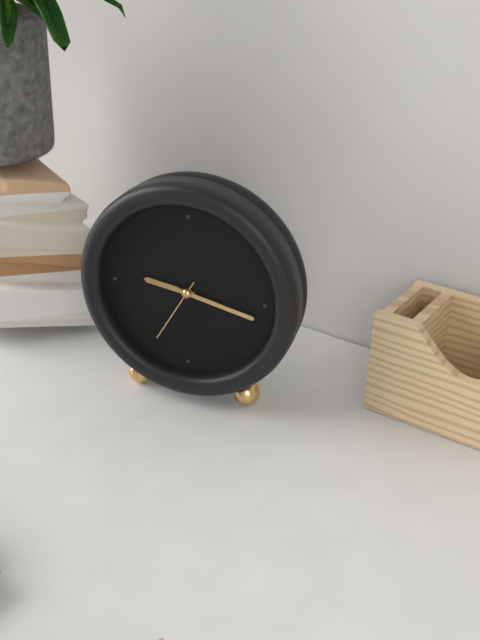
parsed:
9:17:35
